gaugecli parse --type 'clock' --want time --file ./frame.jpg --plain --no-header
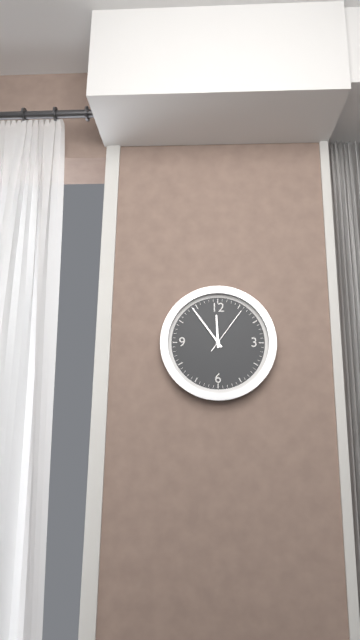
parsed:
11:54
